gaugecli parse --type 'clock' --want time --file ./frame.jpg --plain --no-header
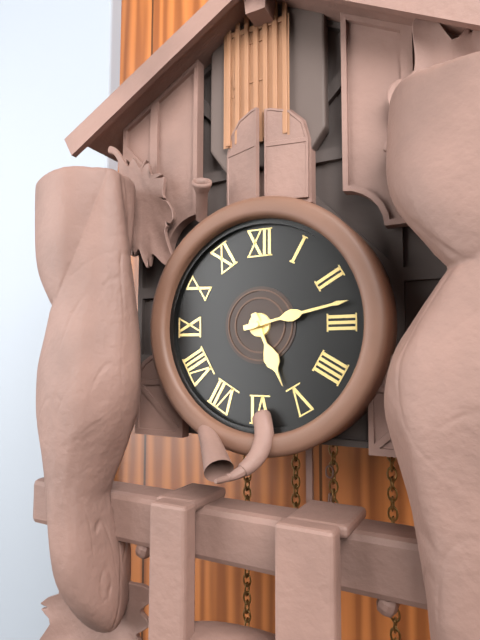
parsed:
5:13
